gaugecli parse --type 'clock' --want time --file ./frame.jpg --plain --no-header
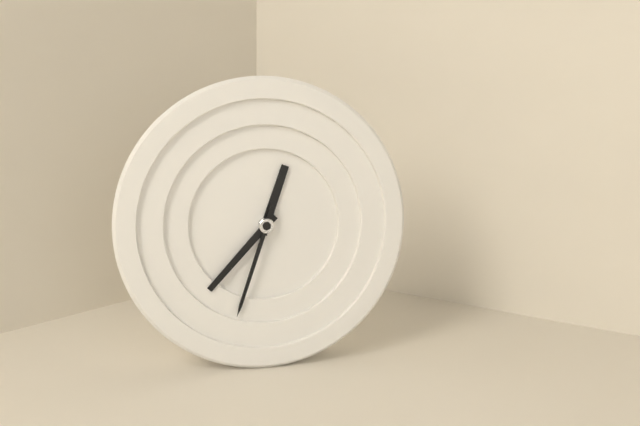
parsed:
12:37:33
